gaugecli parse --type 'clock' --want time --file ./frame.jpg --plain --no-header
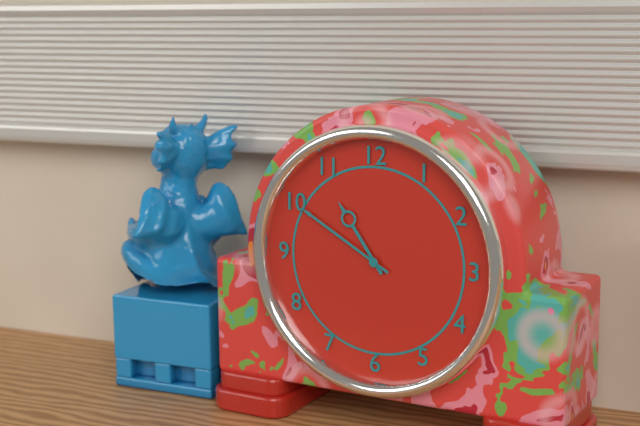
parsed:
10:50
